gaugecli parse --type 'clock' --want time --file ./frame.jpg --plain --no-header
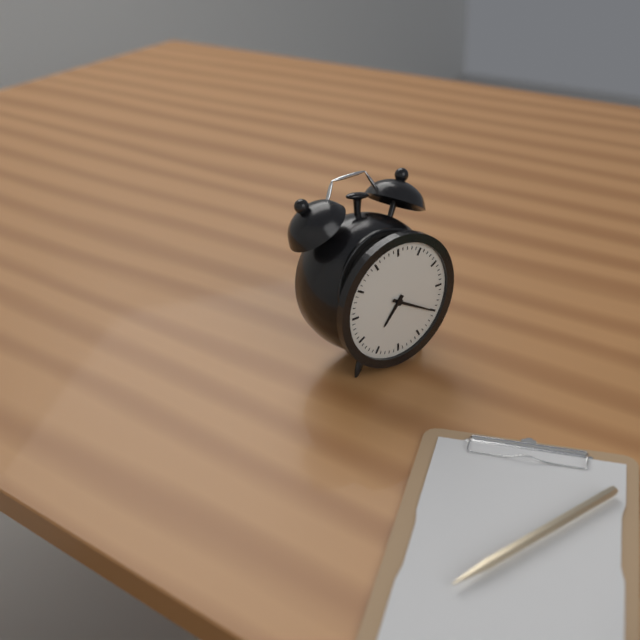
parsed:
7:20
